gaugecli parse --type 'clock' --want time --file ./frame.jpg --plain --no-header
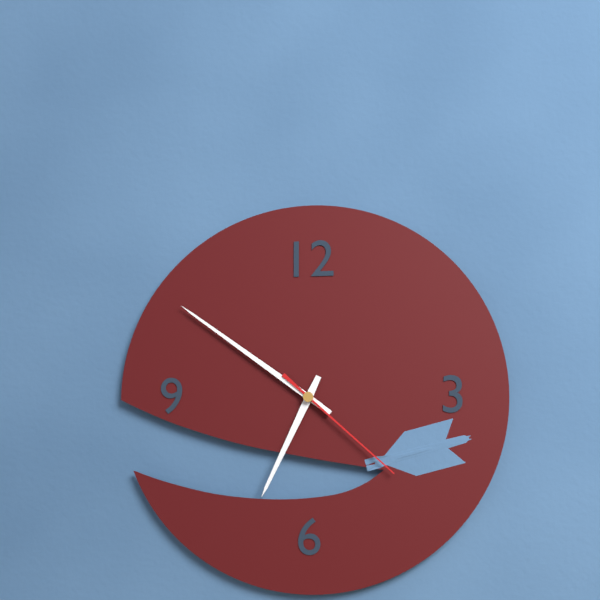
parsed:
6:51:22
